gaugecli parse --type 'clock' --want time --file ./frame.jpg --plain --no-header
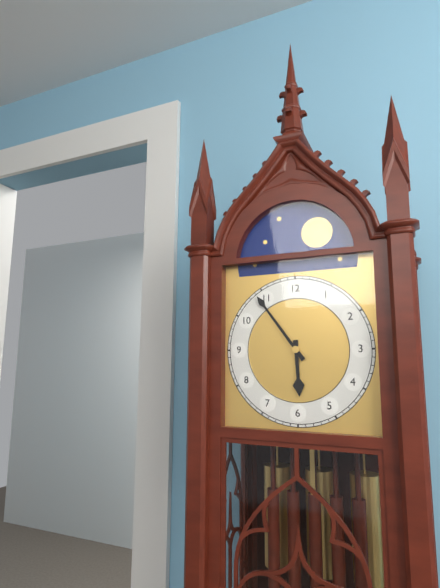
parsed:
5:54
